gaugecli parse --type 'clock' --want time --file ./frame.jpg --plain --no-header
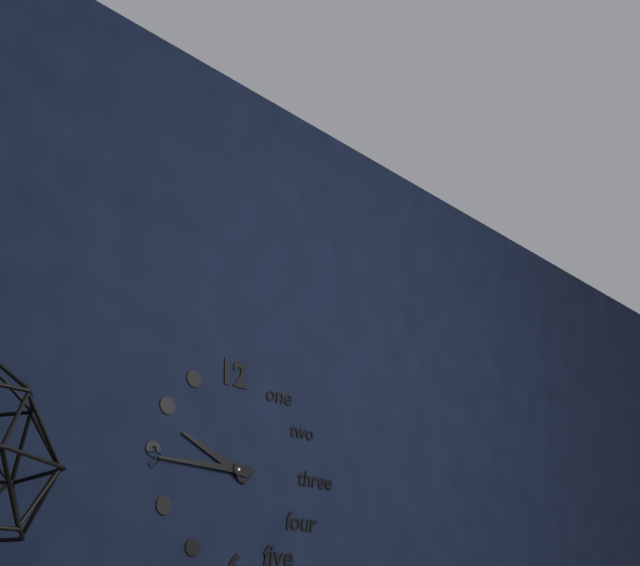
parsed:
9:45
